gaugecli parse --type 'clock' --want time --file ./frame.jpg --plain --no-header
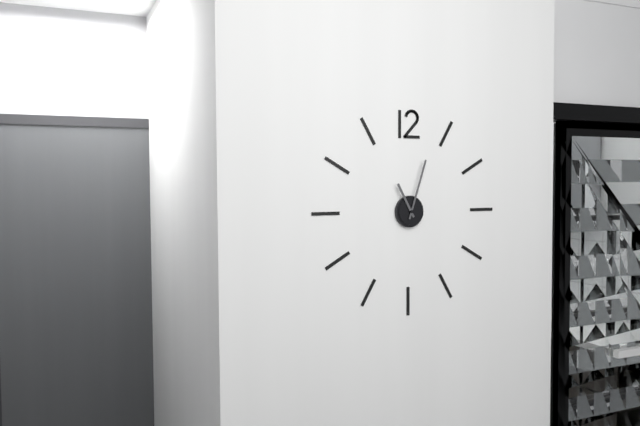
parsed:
11:03
